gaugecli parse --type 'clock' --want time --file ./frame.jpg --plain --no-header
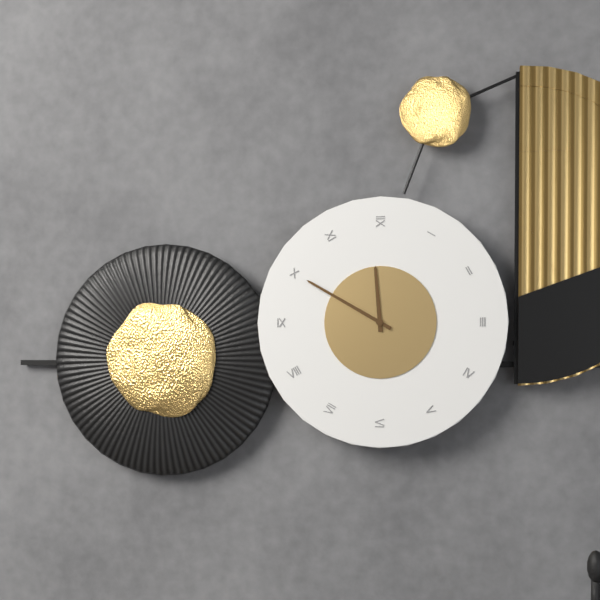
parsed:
11:50
